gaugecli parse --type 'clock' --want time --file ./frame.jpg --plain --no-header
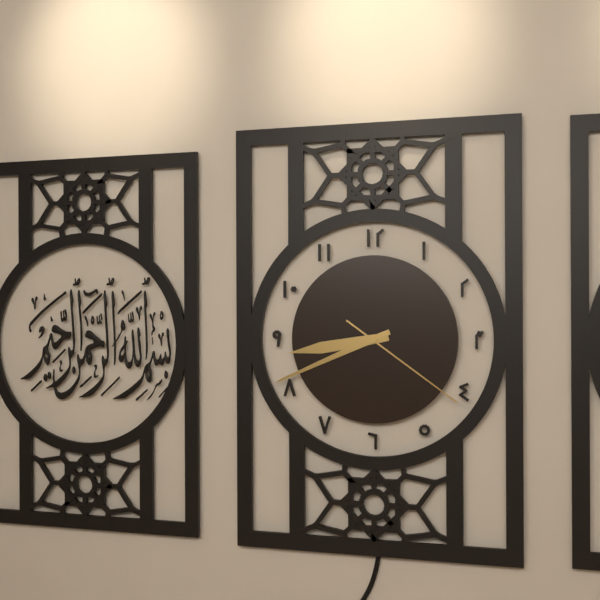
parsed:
8:41:21
